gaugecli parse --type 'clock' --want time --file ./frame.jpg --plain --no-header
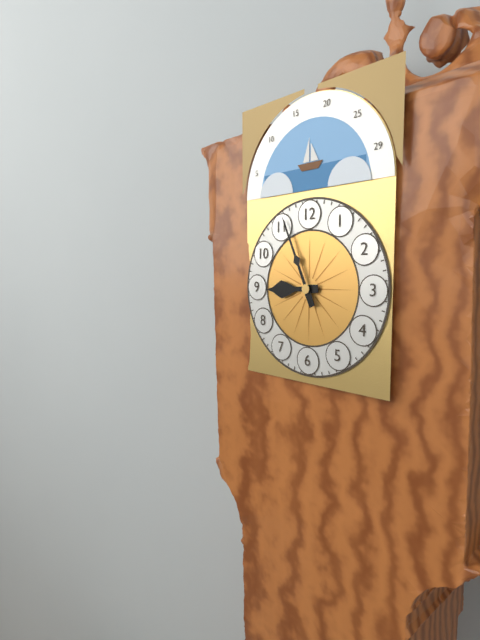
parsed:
8:56
